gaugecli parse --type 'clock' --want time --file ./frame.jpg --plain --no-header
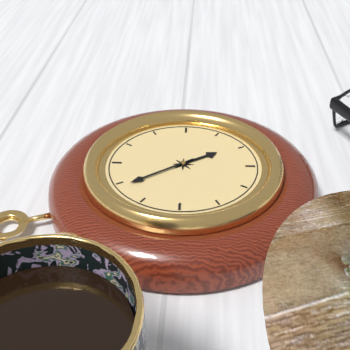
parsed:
4:54
